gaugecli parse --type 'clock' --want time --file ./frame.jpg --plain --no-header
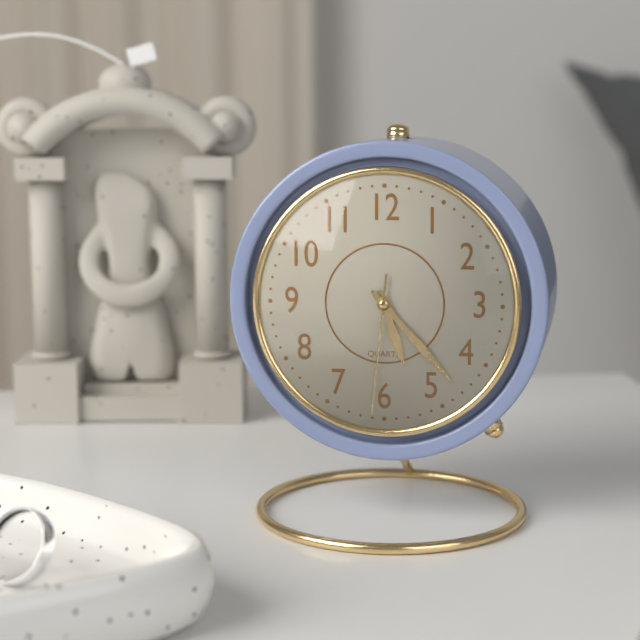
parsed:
5:23:31
